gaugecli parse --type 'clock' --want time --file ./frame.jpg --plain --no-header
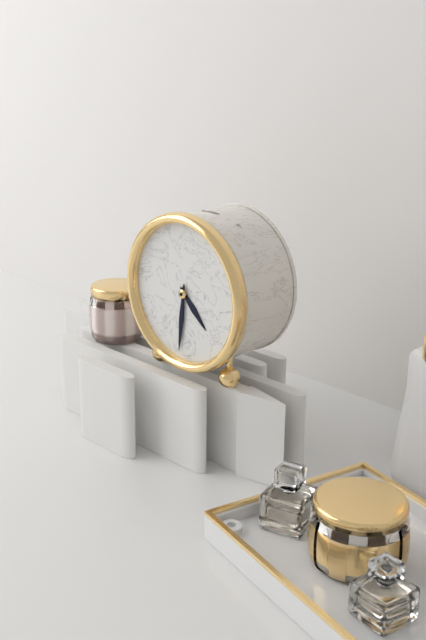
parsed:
4:31
